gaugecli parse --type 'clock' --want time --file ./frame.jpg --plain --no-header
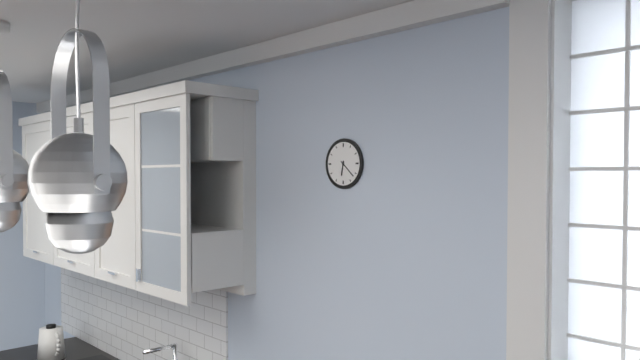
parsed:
6:22
